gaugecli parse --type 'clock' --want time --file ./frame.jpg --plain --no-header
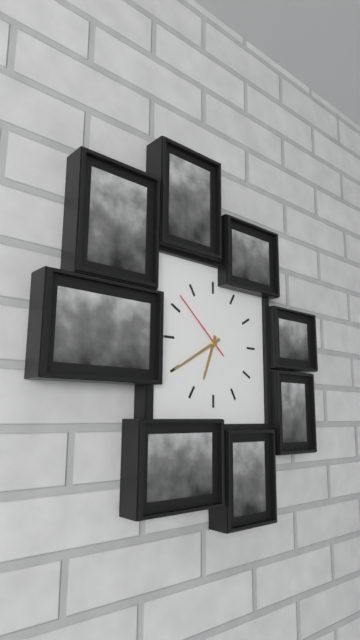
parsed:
6:40:52
